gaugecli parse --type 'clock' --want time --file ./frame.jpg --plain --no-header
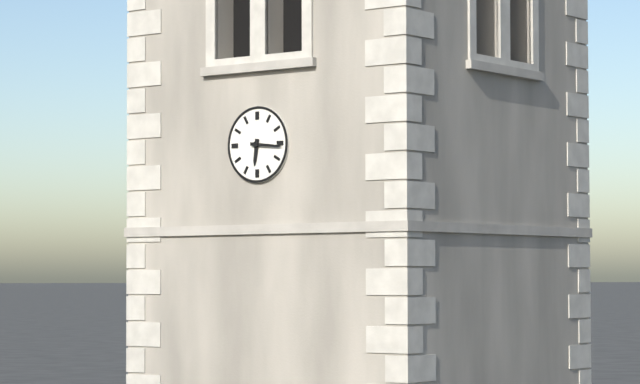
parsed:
6:16
